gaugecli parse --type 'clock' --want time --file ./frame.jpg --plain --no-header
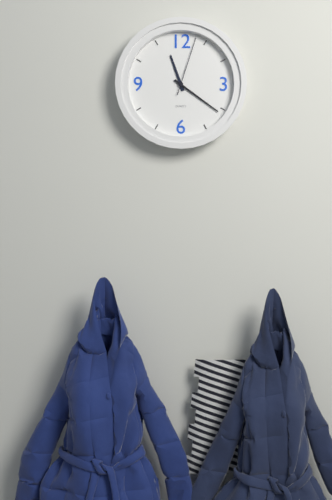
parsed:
11:21:03
